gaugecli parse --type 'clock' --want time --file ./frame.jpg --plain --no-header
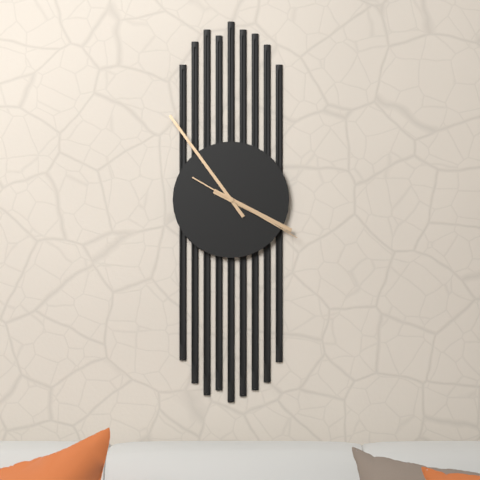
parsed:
3:54:20
